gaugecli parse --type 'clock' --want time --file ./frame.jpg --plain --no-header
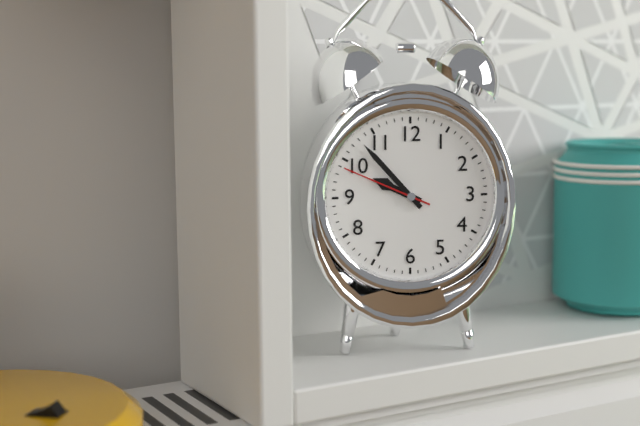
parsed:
9:53:49
